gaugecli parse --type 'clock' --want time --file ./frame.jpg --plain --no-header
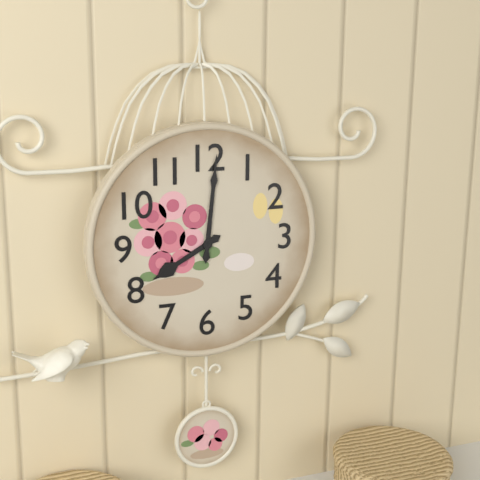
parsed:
8:01
